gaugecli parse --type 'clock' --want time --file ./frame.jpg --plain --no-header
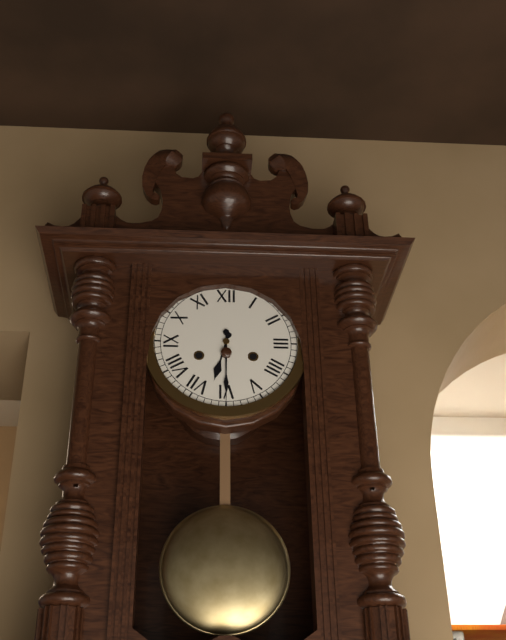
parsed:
6:30
